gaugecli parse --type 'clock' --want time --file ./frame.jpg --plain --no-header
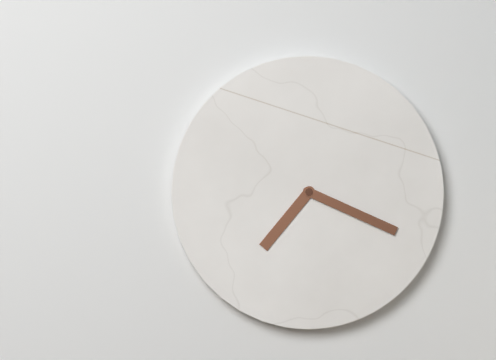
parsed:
7:19
